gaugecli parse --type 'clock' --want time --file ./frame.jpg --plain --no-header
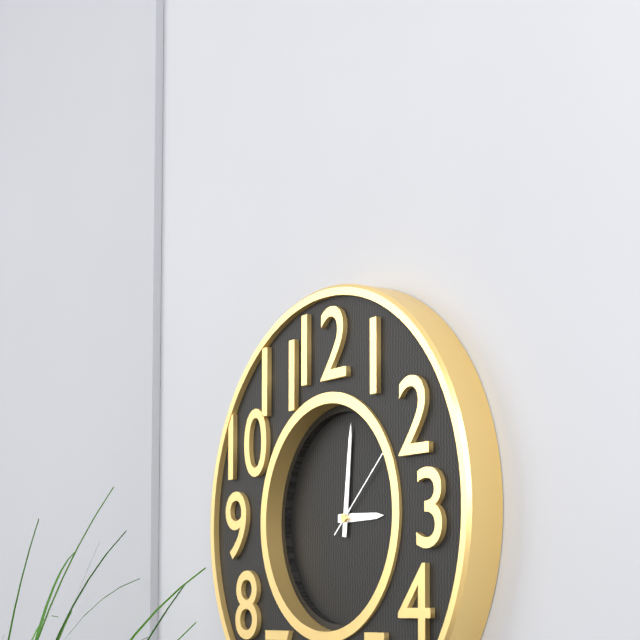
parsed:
3:01:08
